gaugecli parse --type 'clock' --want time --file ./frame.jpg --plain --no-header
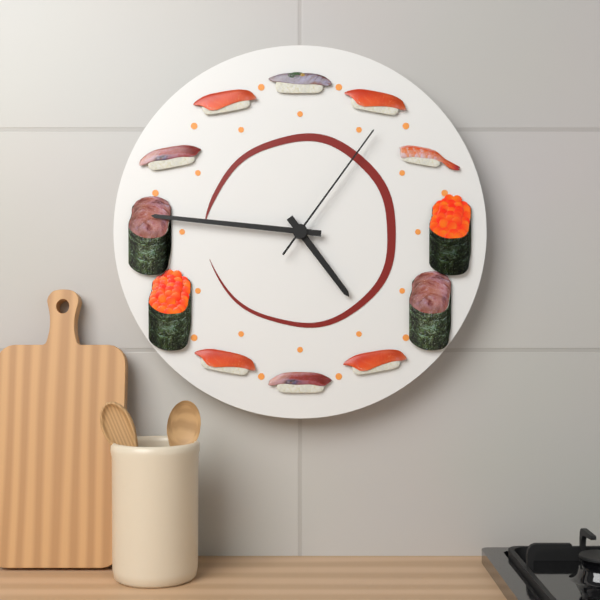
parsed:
4:46:06
